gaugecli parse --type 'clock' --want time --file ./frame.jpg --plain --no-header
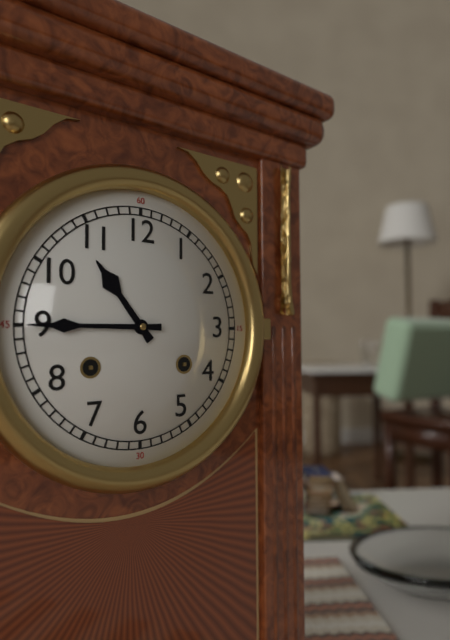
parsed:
10:45
